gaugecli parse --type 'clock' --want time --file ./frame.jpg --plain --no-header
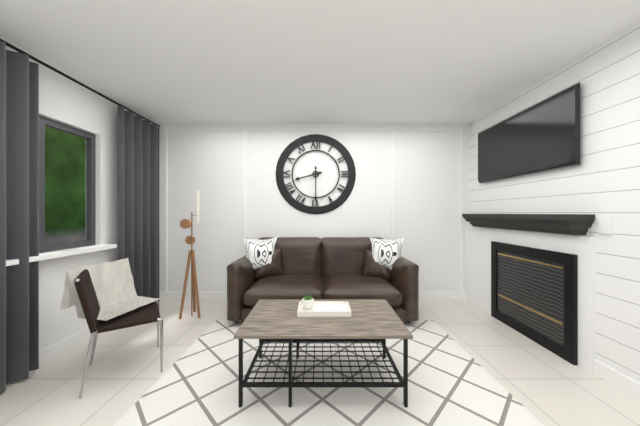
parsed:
8:30
